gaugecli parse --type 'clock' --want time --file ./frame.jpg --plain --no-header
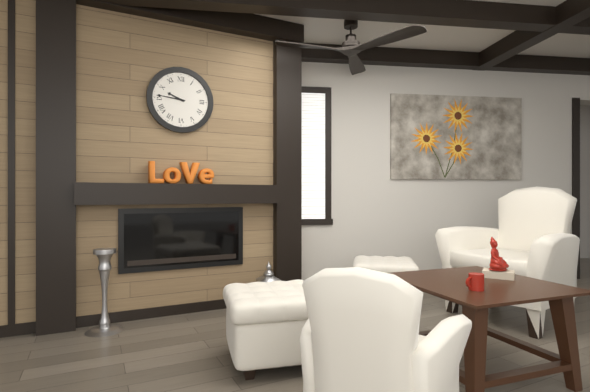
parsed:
9:46
